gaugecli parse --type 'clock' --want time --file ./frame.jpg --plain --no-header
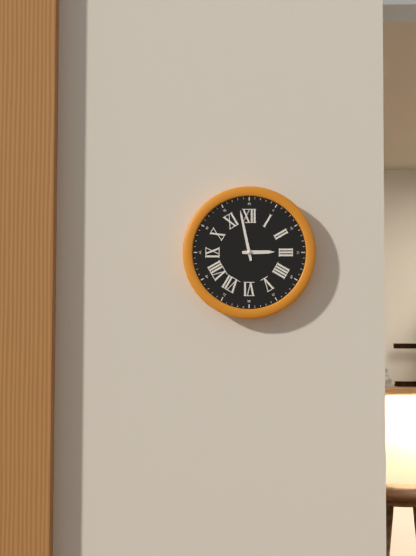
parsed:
2:58
